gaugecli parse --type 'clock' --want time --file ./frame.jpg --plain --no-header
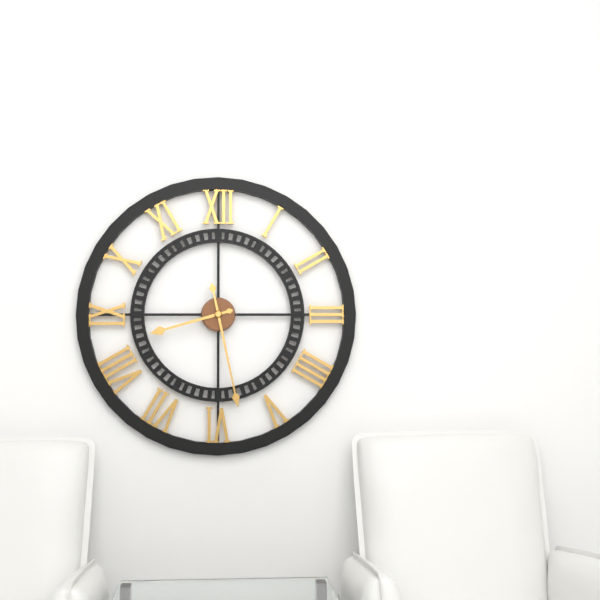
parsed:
8:28
